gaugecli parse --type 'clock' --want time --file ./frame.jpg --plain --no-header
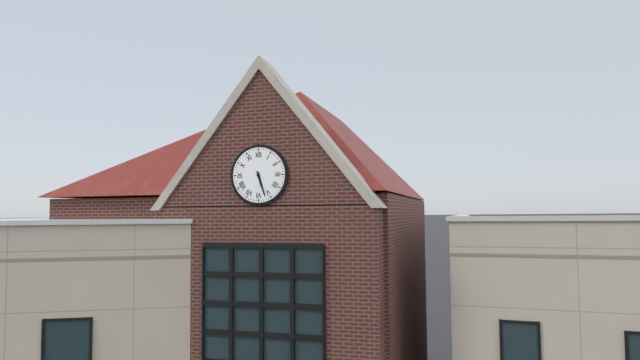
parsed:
5:27
